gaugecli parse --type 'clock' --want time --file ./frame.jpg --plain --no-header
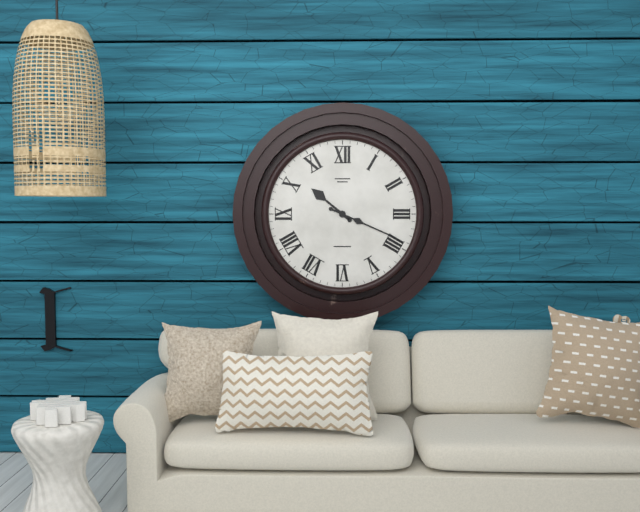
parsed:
10:19
